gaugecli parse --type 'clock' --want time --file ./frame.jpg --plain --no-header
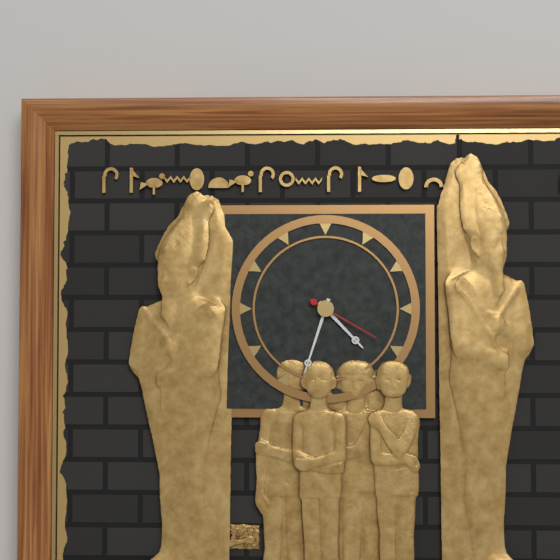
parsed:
4:33:20
